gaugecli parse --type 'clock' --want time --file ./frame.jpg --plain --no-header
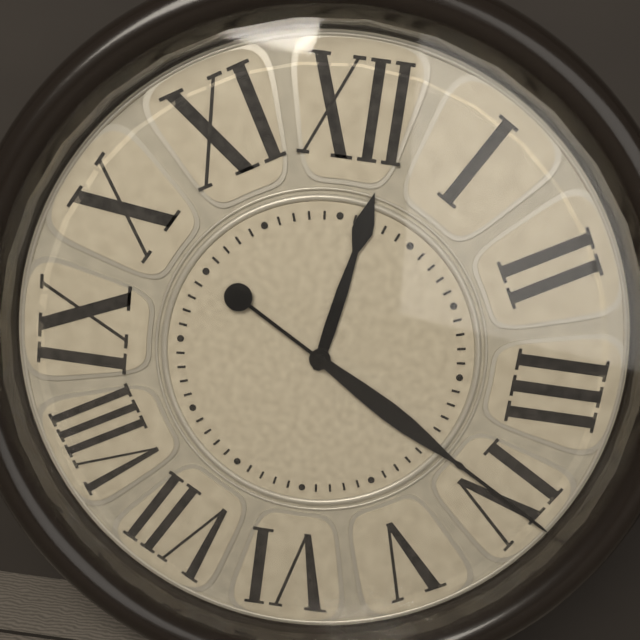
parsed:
12:20
